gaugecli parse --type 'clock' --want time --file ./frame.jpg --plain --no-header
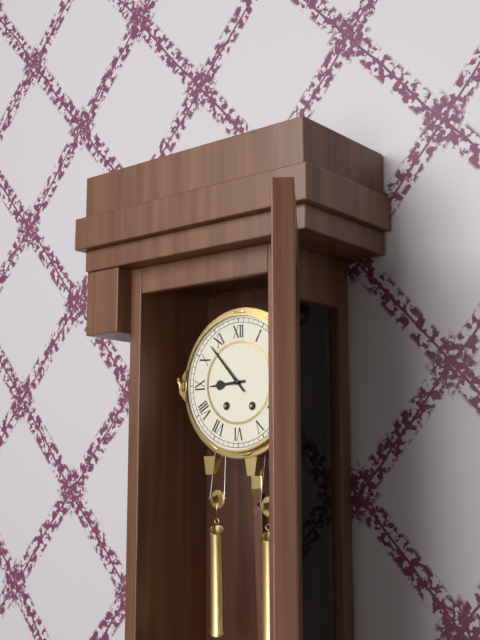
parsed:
8:53
